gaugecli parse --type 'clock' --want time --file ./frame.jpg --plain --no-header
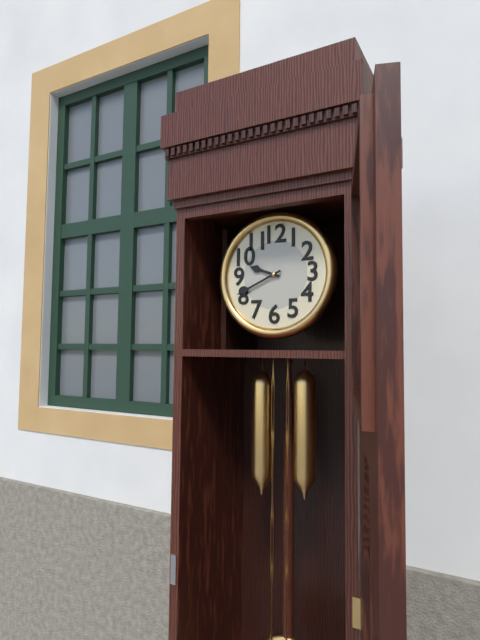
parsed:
9:41
